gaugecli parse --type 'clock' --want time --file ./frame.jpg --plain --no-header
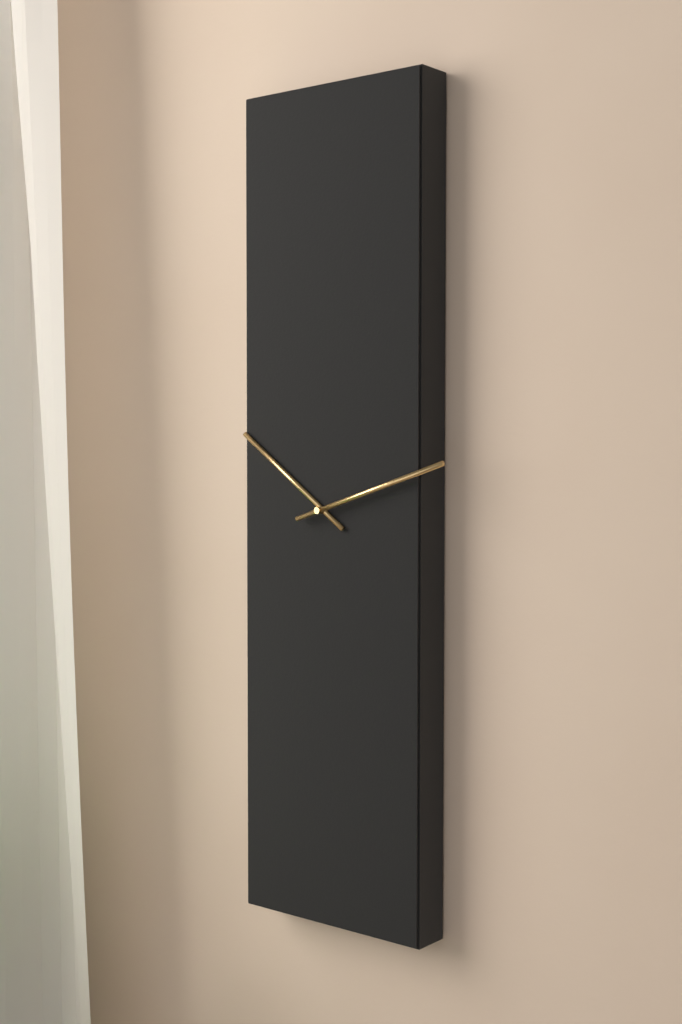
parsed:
10:12
